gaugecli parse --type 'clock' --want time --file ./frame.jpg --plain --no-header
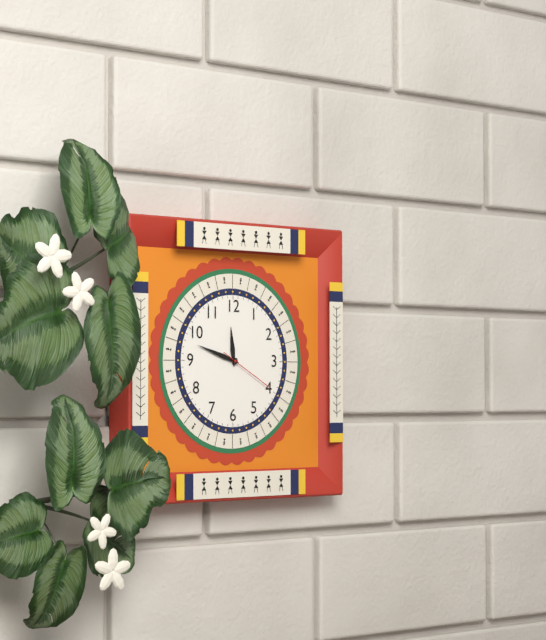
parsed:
11:48:20
